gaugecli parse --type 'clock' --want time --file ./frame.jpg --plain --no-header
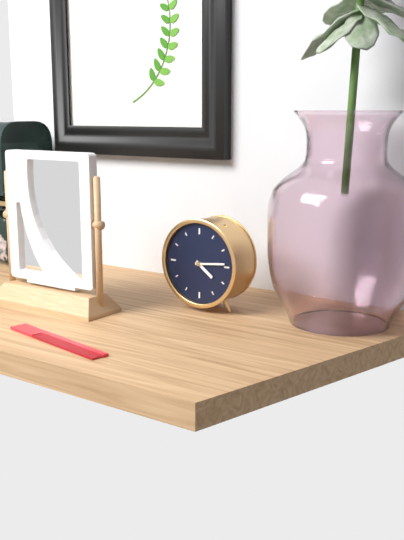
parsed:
4:14
